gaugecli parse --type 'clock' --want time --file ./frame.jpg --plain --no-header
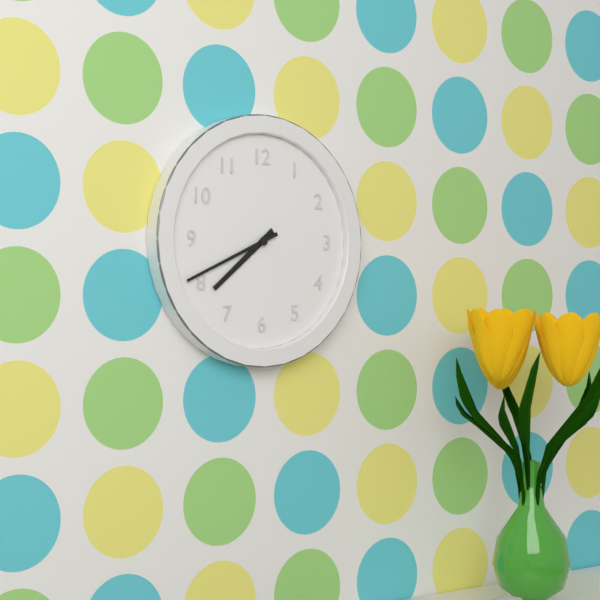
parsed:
7:41
